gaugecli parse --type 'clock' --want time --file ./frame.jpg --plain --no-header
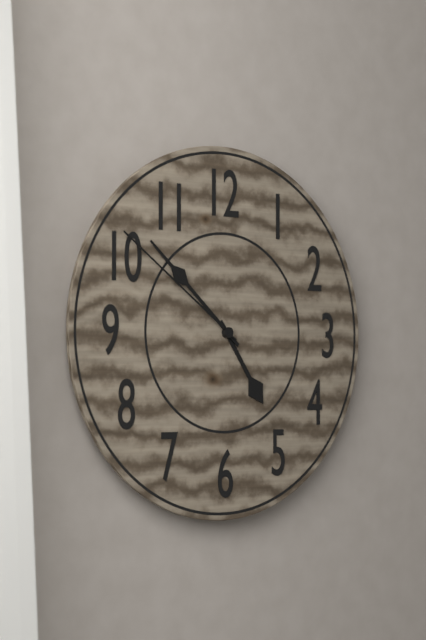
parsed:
4:52:51
